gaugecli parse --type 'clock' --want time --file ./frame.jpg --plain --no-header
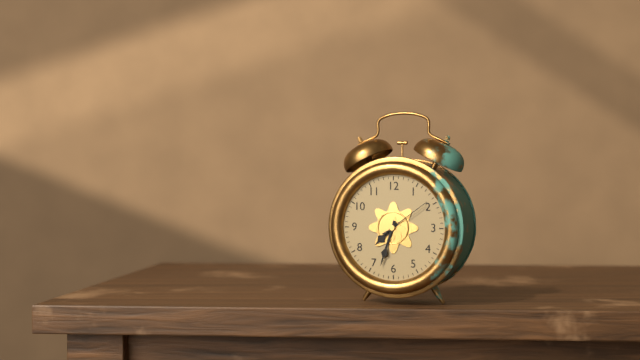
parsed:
7:33:09
